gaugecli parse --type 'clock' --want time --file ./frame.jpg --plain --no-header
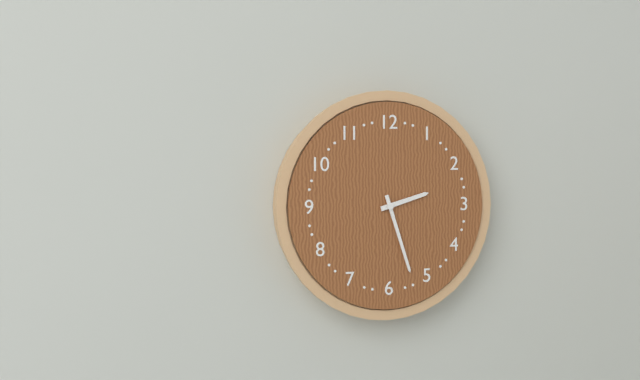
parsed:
2:27
